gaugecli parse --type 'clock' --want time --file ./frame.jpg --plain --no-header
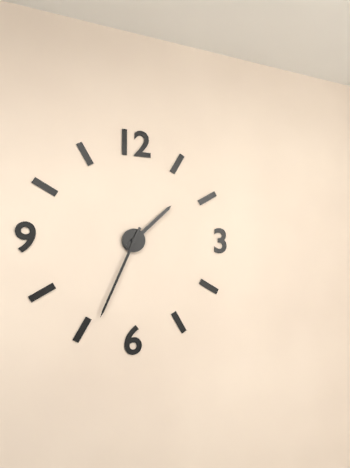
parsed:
1:34
